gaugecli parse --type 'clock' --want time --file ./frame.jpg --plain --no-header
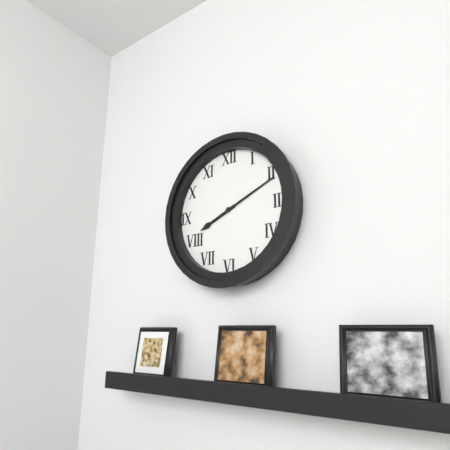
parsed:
8:11
